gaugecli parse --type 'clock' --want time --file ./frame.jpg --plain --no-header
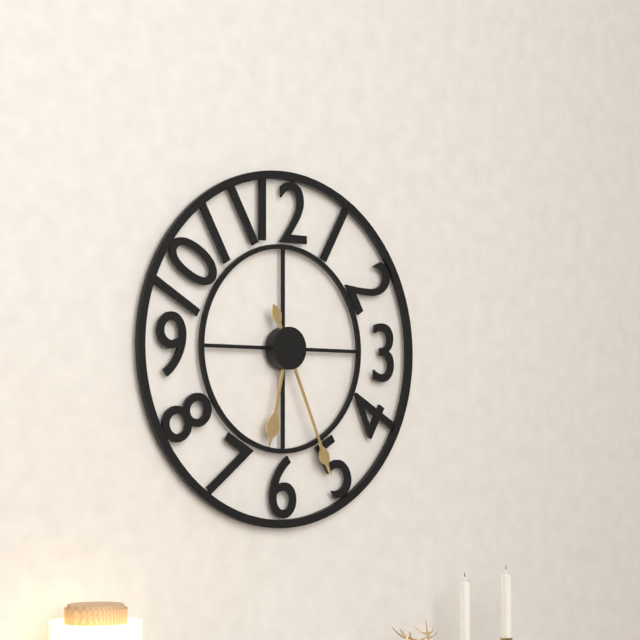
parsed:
6:26
